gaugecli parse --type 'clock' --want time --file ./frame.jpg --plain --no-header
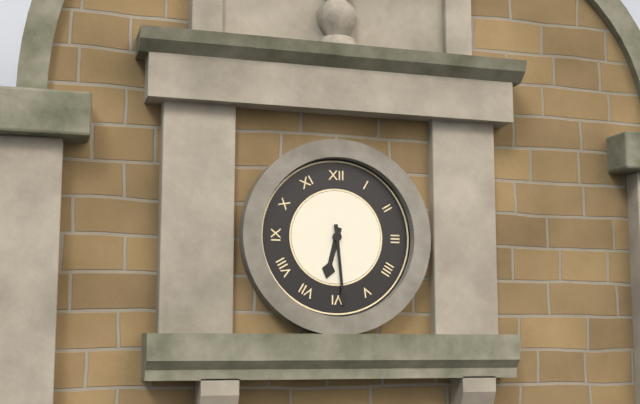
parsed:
6:29
